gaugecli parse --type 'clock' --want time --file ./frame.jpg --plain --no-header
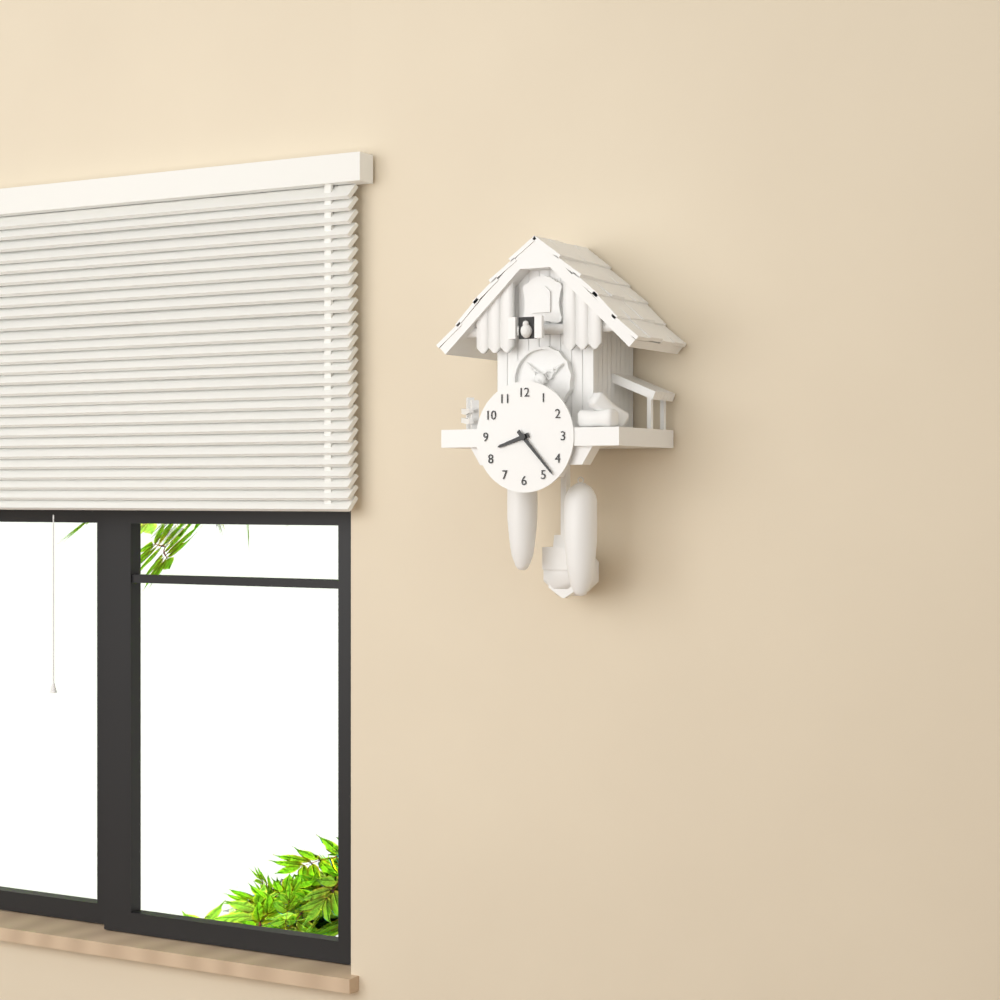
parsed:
8:23
